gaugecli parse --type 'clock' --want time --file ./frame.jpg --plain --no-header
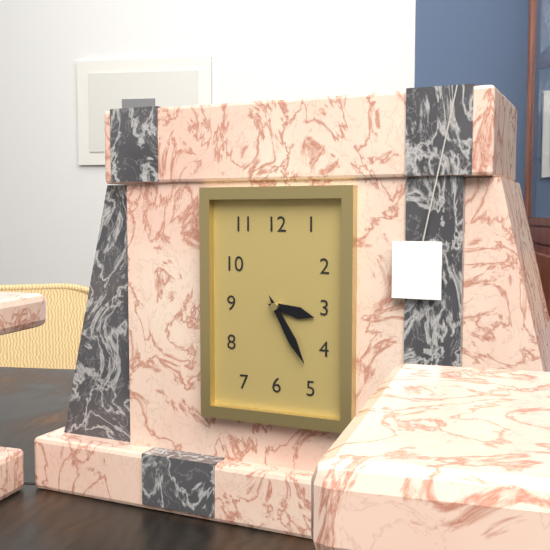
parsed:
3:25
